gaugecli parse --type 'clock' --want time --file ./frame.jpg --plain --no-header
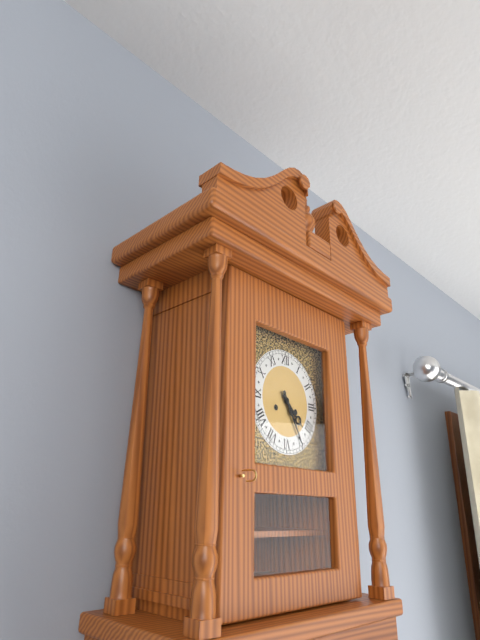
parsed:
4:25
